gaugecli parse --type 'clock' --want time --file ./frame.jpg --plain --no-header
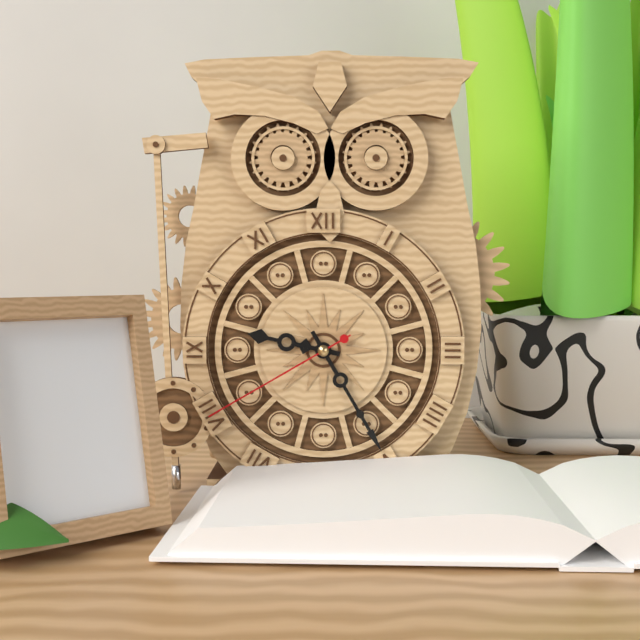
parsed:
9:25:40
